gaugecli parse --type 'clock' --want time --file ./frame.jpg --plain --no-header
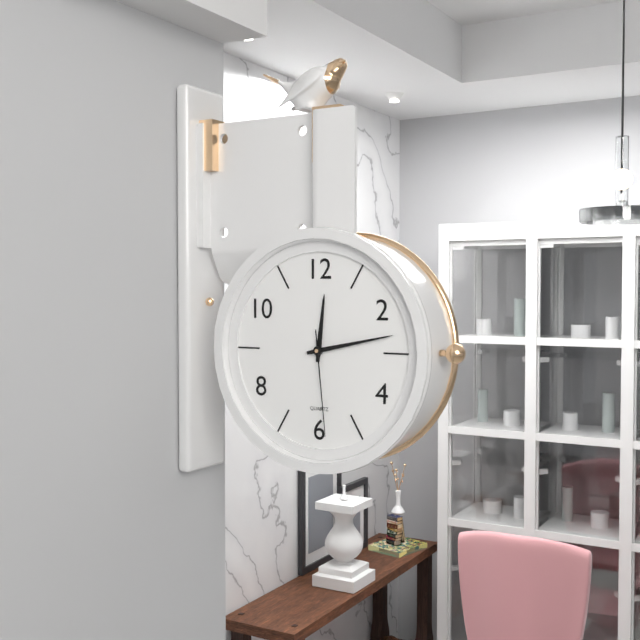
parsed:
12:13:29
